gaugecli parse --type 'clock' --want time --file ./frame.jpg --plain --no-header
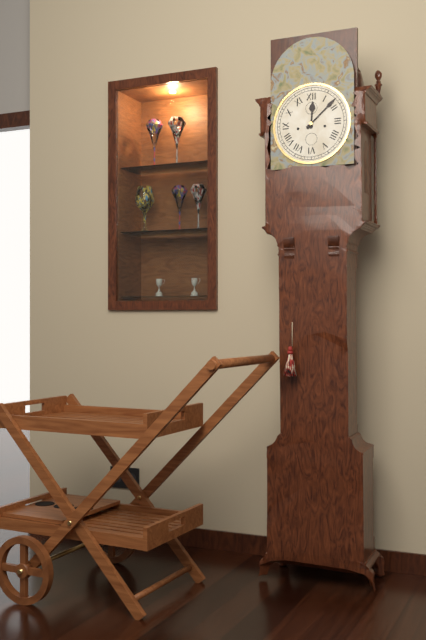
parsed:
12:08
